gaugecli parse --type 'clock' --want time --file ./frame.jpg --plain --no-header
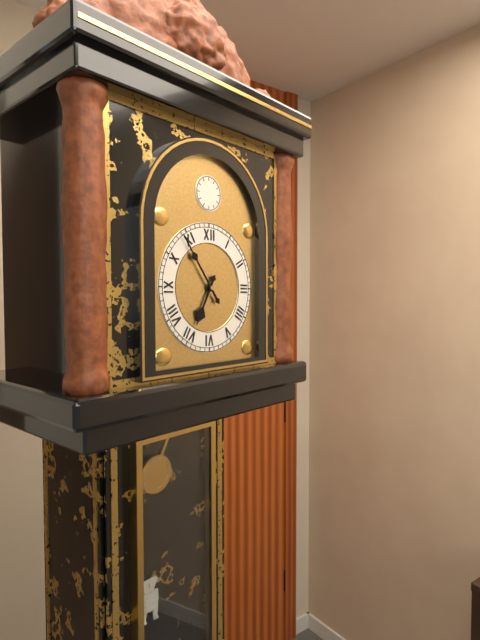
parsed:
6:54
